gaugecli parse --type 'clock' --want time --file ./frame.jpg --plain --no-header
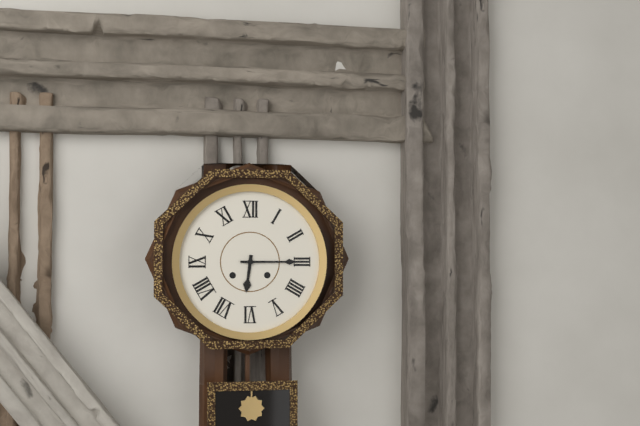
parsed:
6:15
